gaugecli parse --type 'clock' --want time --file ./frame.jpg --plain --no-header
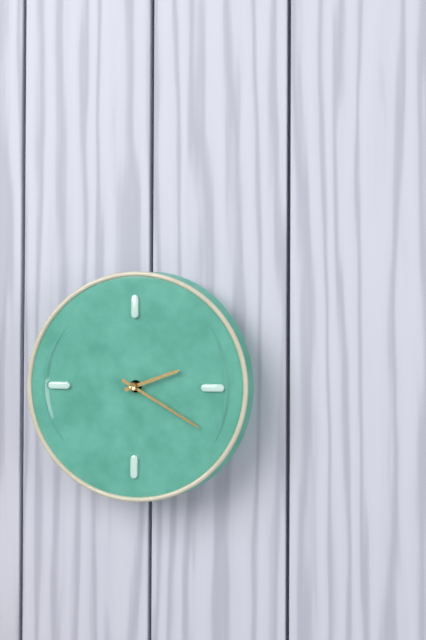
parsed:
2:20
